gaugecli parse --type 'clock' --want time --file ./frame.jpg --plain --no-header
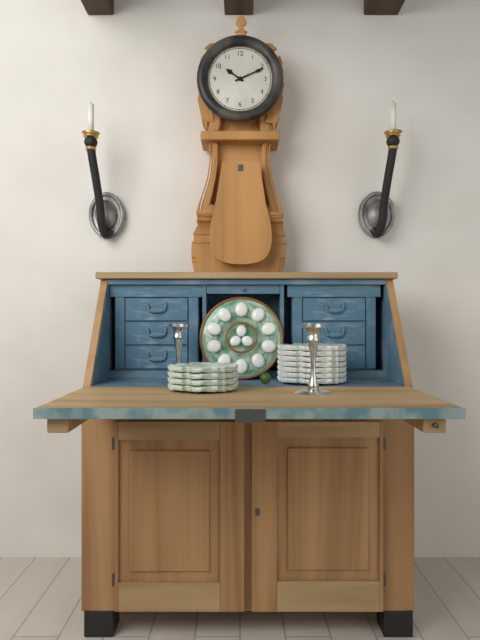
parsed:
10:11
